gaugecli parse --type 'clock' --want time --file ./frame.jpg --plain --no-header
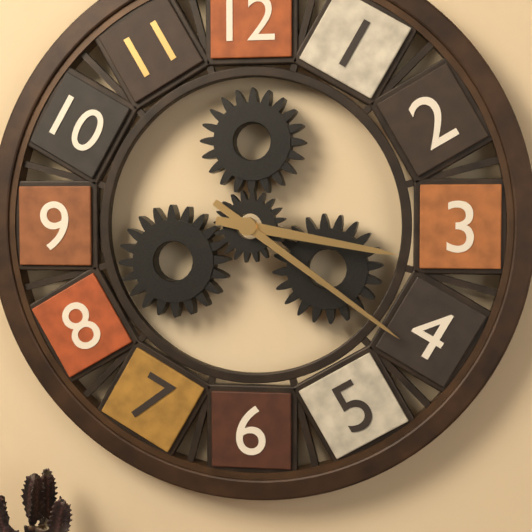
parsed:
3:21
